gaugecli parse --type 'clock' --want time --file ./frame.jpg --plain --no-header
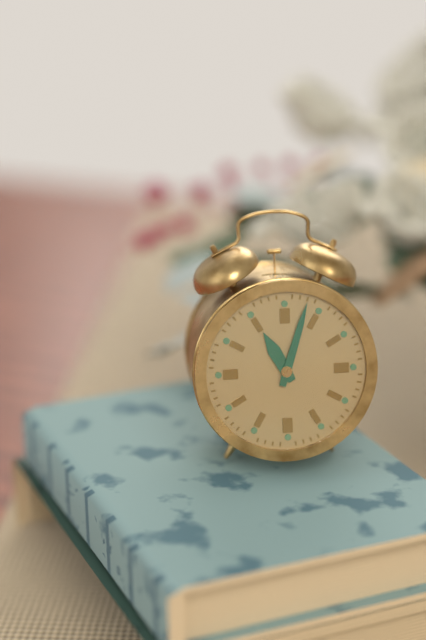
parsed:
11:03
